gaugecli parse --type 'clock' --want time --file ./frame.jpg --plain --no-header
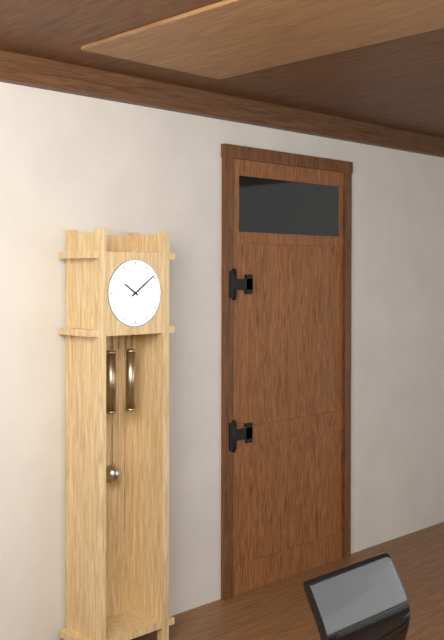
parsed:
10:09
